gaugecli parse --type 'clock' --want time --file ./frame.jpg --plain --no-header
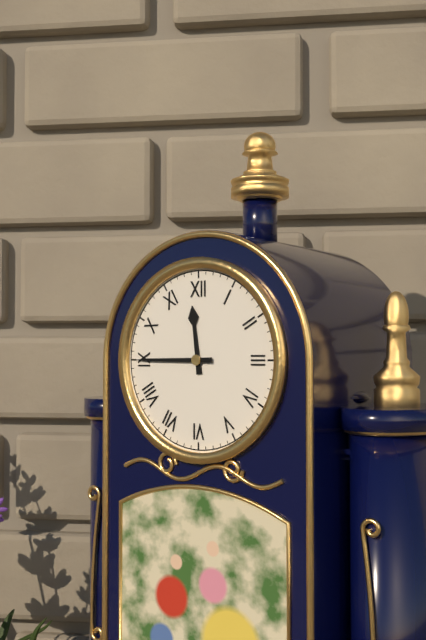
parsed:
11:45
